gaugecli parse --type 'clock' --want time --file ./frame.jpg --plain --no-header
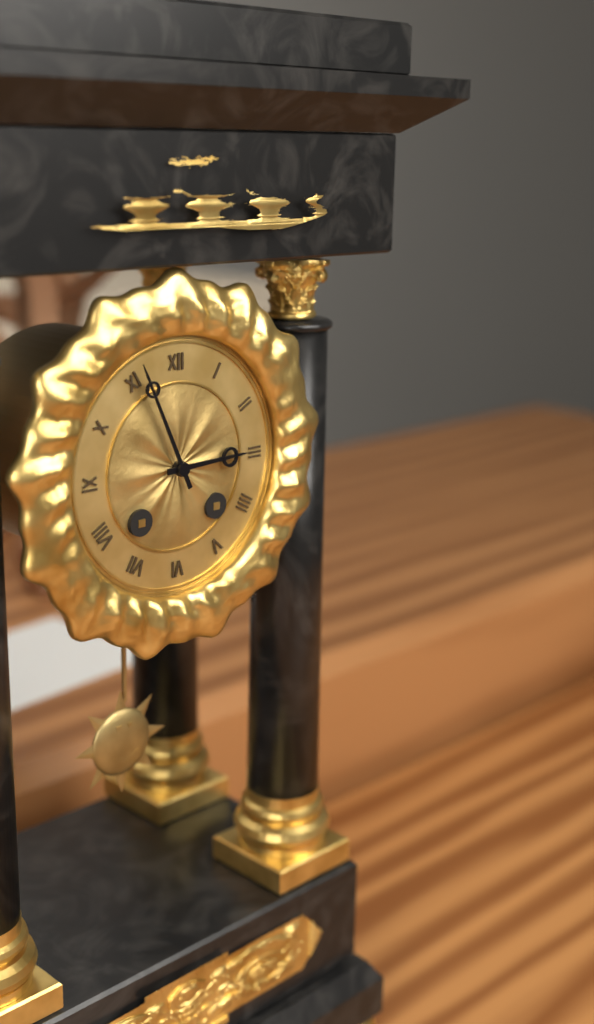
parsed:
2:56
